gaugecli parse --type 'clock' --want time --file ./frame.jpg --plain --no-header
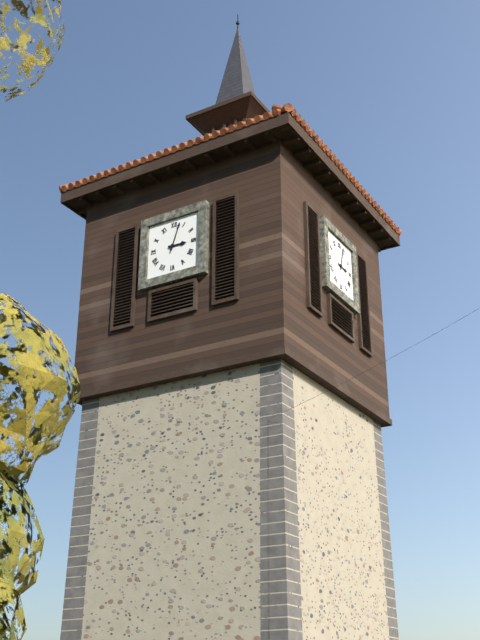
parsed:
3:03
